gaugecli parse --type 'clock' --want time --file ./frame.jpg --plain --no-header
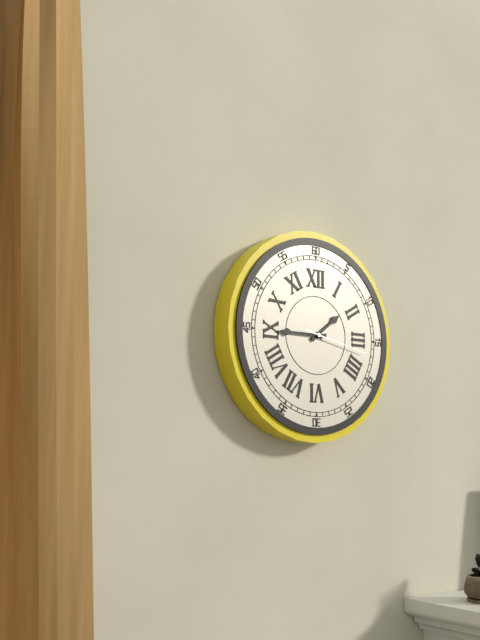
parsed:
1:45:17
